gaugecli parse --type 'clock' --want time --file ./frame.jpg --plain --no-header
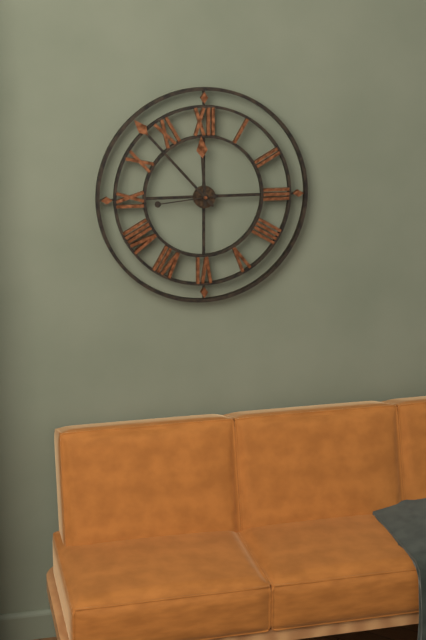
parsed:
11:53:44
